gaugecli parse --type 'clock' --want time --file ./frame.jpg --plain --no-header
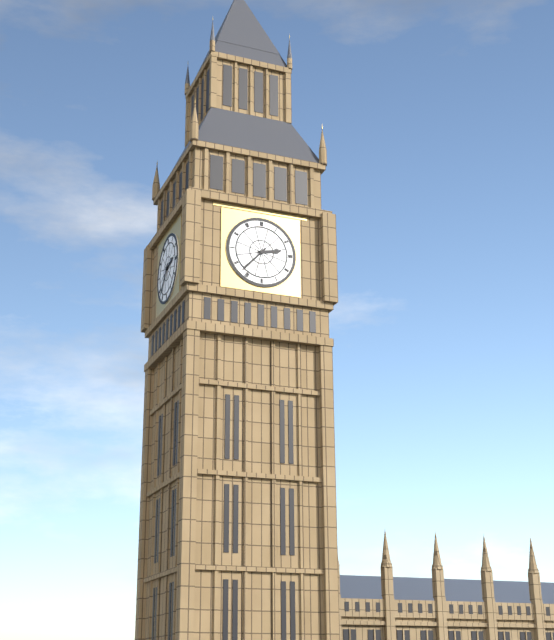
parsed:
2:37
